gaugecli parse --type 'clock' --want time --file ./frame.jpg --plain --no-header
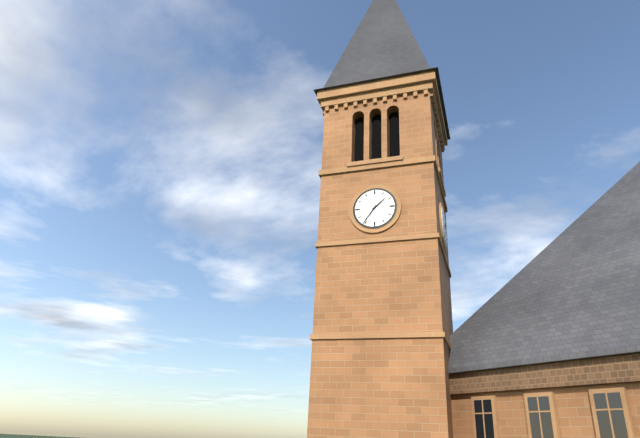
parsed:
1:36
